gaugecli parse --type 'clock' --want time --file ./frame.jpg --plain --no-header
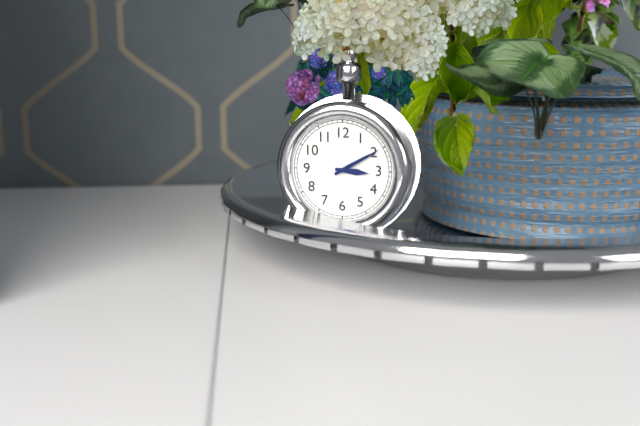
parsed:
3:10
